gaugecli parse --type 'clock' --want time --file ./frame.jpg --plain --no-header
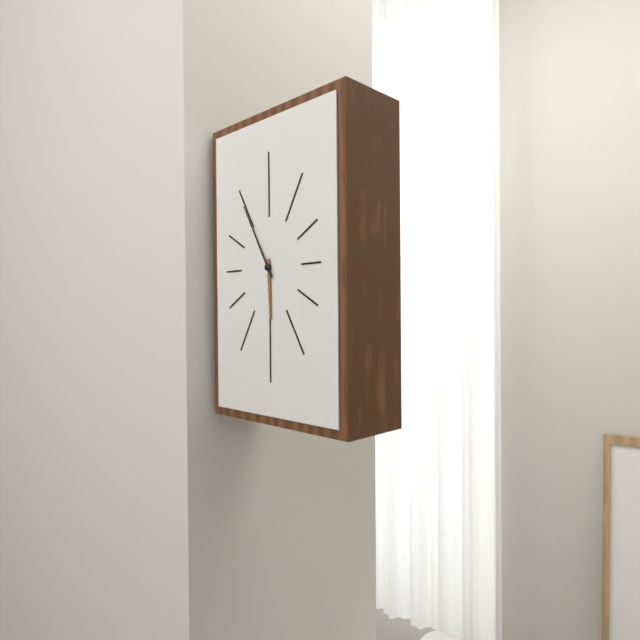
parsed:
5:55
